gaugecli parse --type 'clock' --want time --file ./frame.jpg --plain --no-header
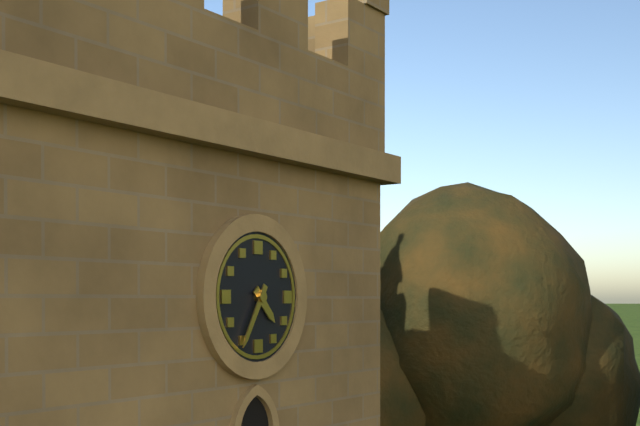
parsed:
4:35
